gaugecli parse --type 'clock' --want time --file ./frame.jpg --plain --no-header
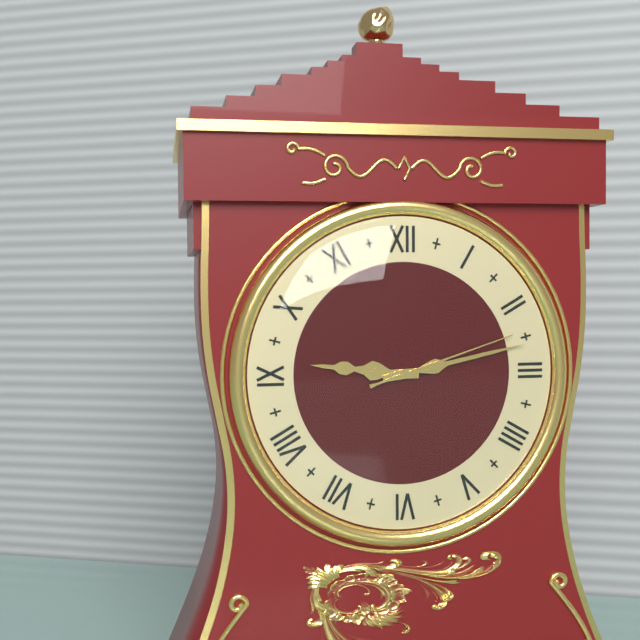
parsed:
9:13:12
